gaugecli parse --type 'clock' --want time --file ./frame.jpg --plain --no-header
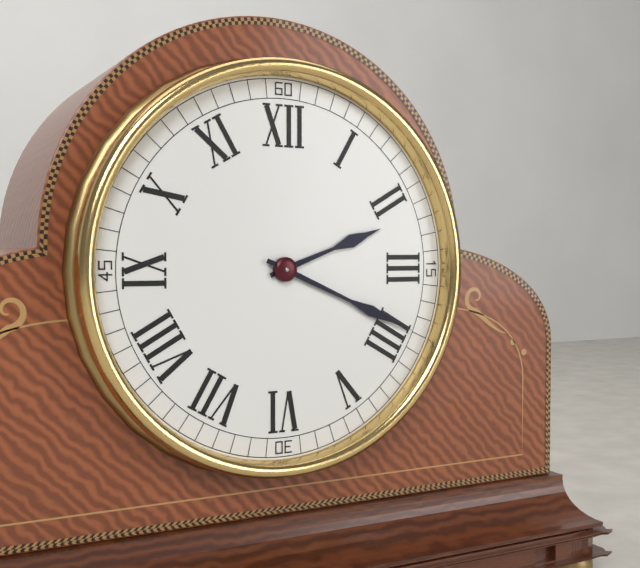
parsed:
2:19
